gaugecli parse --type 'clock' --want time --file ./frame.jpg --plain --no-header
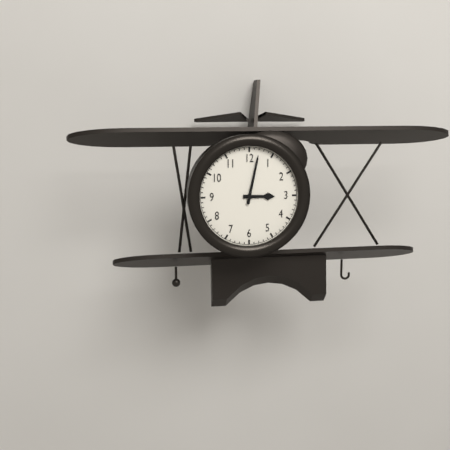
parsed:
3:02
